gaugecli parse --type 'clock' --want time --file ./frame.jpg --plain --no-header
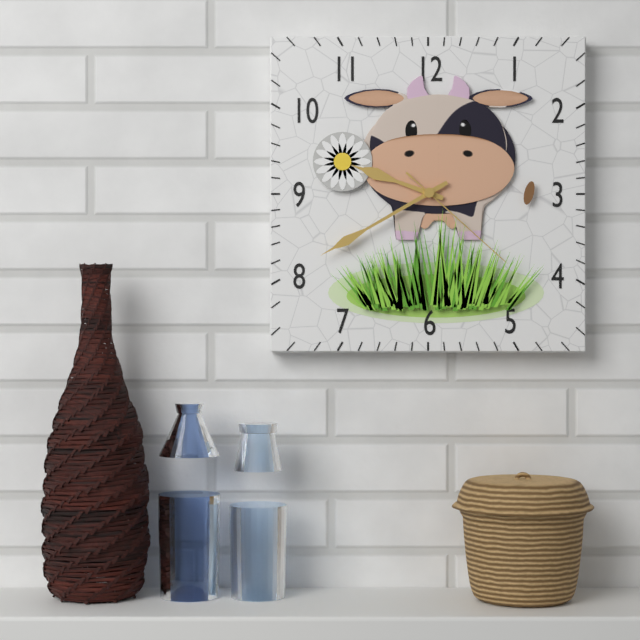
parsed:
9:40:22
